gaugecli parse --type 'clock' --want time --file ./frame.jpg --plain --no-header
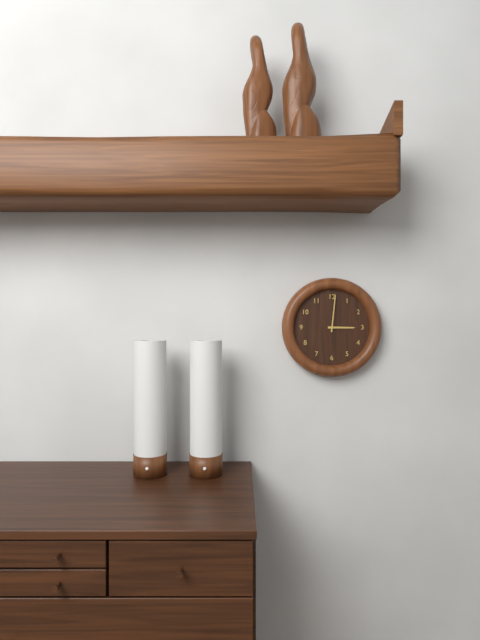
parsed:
3:01
